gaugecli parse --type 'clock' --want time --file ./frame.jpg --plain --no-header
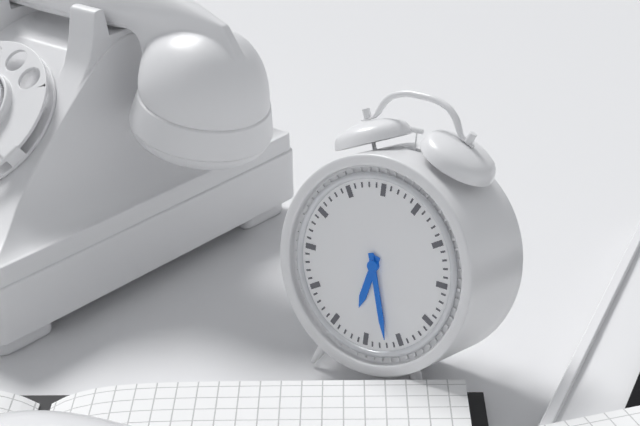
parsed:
6:27
